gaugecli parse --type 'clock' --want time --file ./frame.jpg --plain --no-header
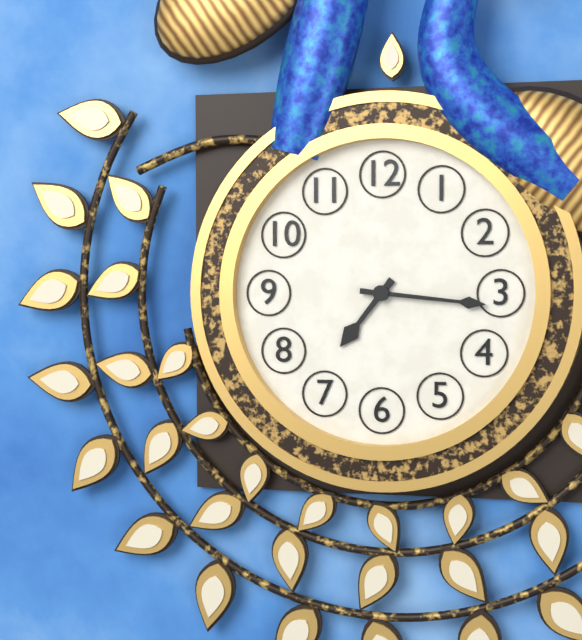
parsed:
7:16
